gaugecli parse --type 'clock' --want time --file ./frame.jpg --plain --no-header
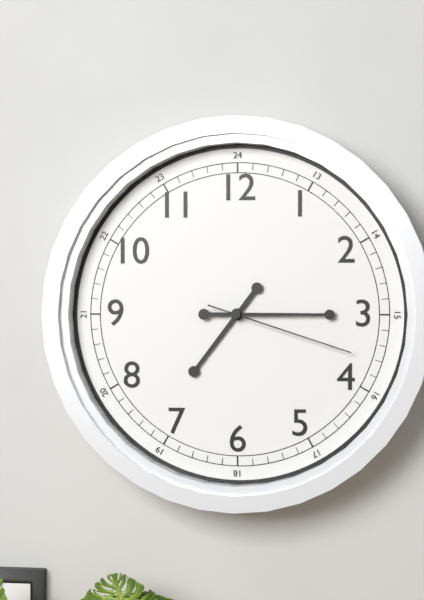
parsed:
7:15:18
